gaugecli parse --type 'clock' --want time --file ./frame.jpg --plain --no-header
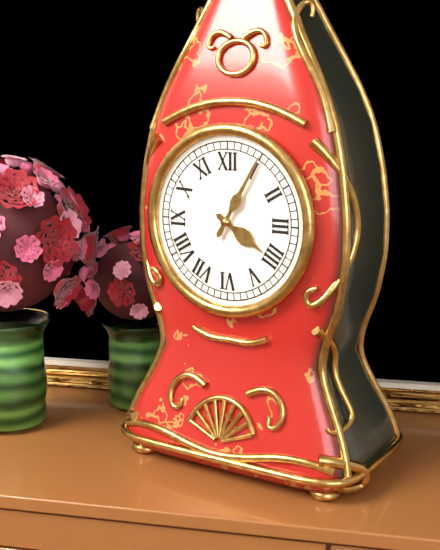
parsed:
4:05
